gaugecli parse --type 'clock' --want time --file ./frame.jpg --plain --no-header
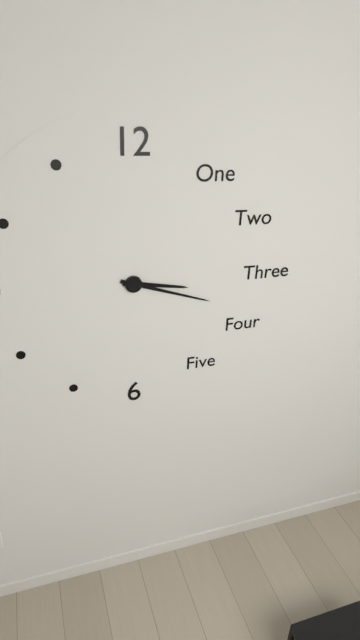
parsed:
3:18
